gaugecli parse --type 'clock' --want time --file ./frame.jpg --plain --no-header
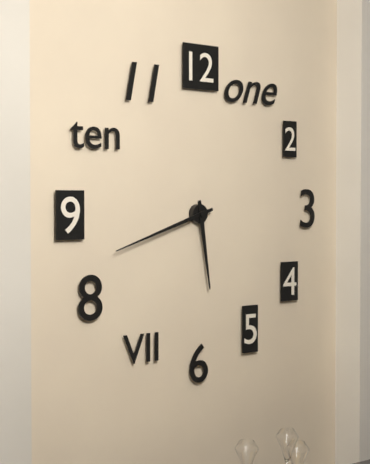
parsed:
5:42
